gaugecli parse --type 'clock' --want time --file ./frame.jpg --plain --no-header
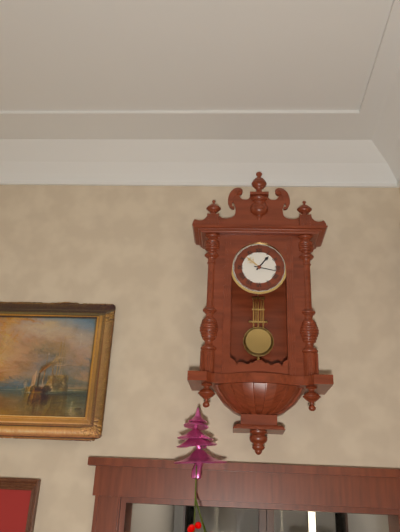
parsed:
1:17
